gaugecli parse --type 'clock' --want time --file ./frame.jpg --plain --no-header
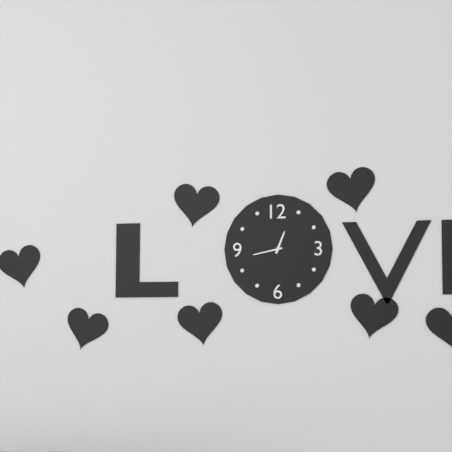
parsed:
12:43
